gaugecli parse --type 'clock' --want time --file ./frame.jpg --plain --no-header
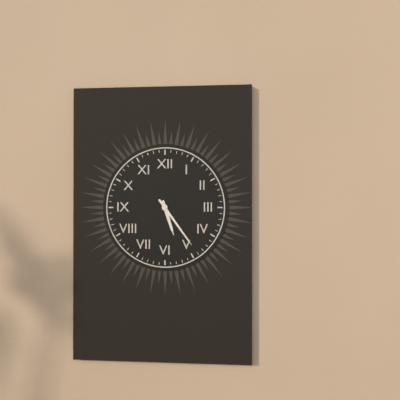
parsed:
5:24
